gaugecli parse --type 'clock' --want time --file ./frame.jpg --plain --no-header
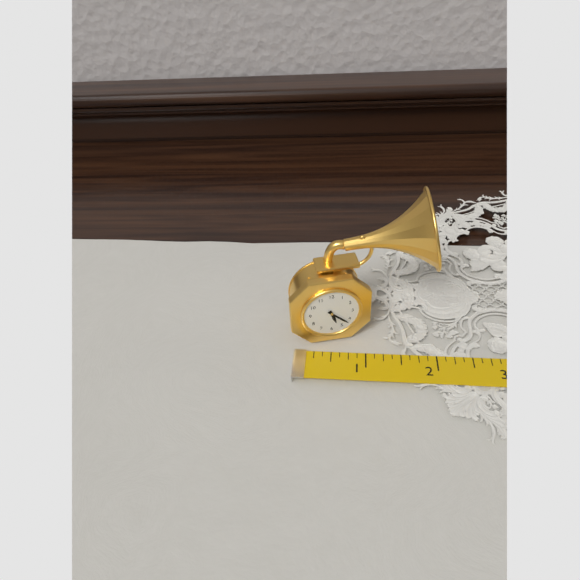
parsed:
5:22
